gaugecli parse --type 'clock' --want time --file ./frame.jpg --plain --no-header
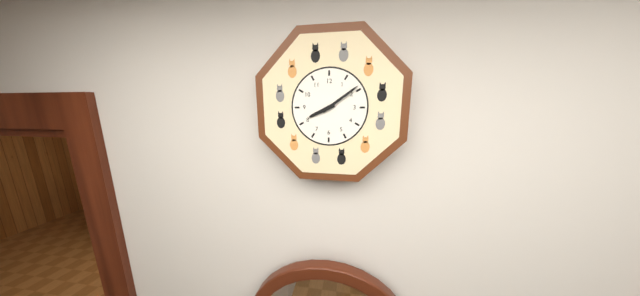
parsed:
8:09
